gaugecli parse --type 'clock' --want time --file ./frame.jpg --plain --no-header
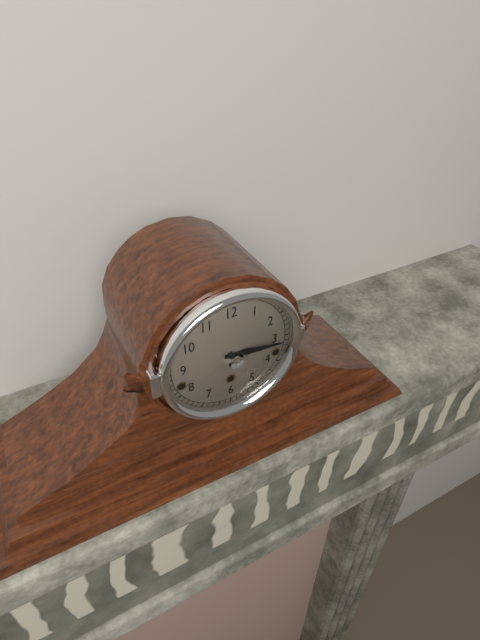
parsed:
3:16
